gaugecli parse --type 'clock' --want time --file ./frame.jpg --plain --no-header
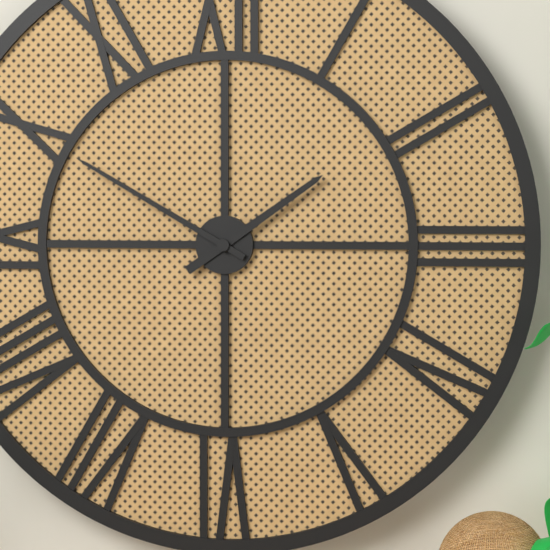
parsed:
1:50
